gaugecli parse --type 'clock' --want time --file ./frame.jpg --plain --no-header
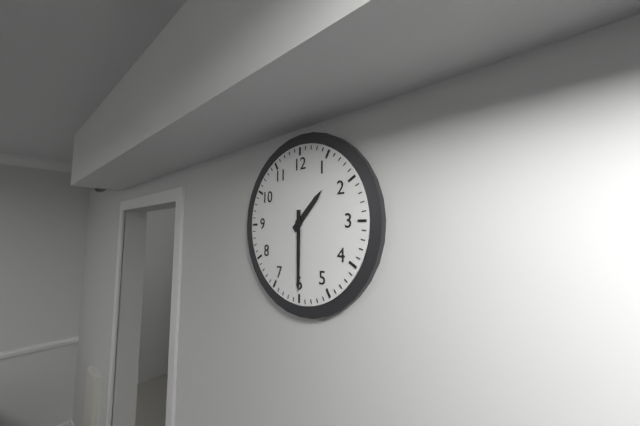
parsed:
1:30
